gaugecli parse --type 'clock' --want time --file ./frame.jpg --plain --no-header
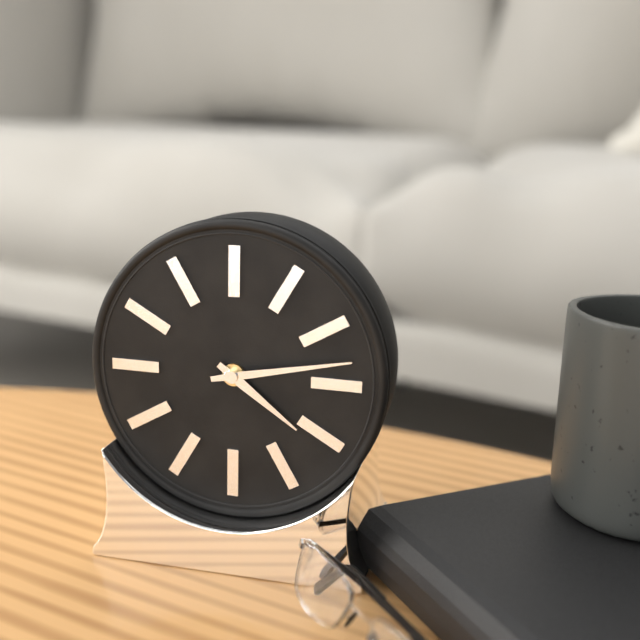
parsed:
4:13
